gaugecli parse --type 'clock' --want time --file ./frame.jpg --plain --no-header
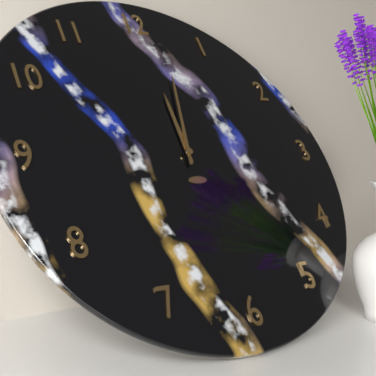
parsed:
12:02
